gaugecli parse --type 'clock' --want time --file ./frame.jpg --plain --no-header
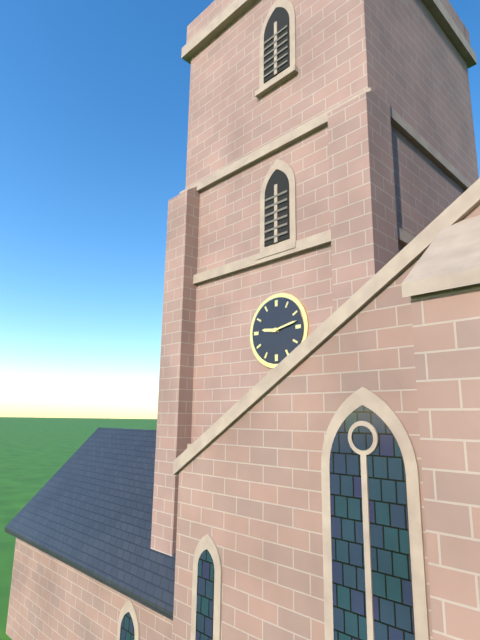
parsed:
9:13
